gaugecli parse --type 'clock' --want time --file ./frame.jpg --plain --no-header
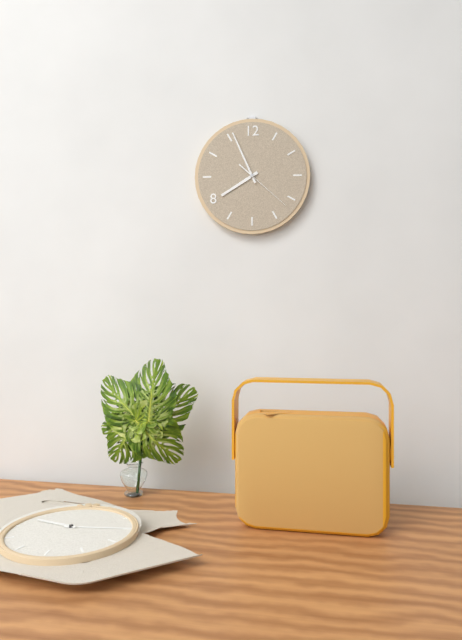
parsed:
7:56:22
